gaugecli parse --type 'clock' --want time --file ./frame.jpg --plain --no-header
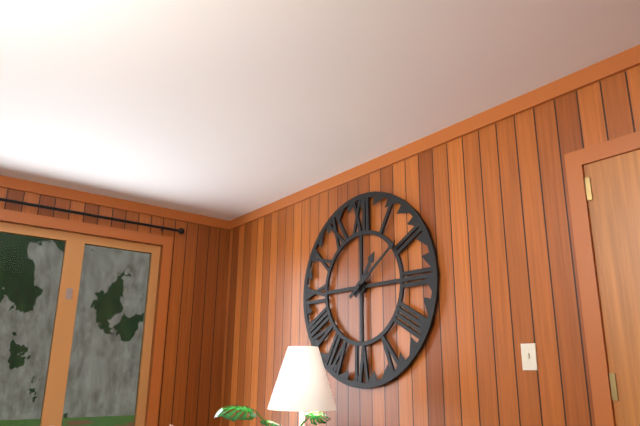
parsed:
1:09
